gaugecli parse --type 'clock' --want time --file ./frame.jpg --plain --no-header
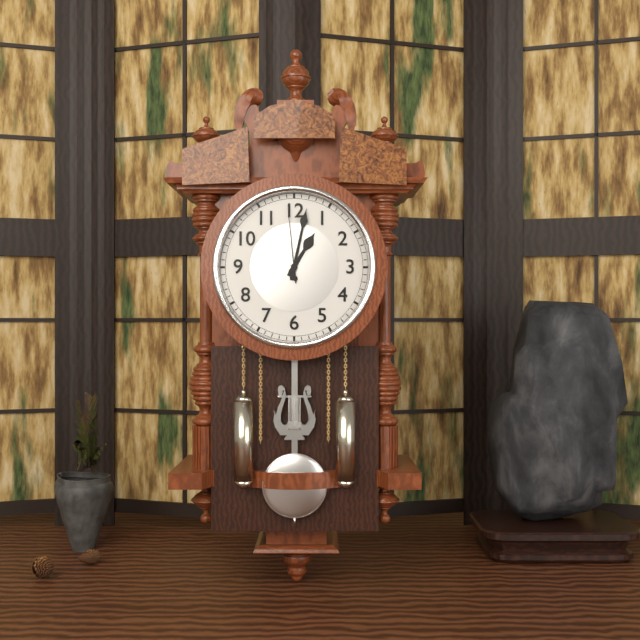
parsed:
1:02:59
